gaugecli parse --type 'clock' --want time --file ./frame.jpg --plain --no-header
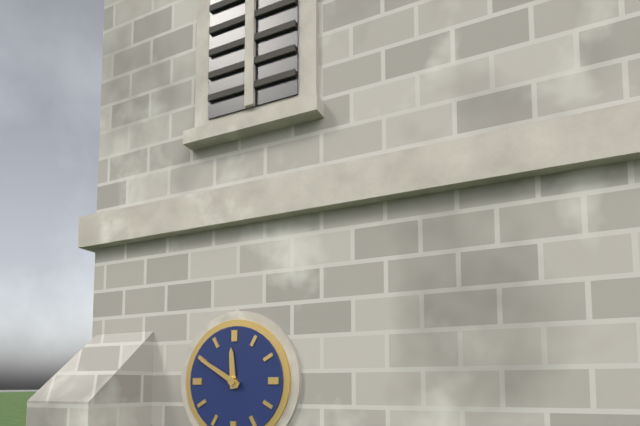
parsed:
11:50
